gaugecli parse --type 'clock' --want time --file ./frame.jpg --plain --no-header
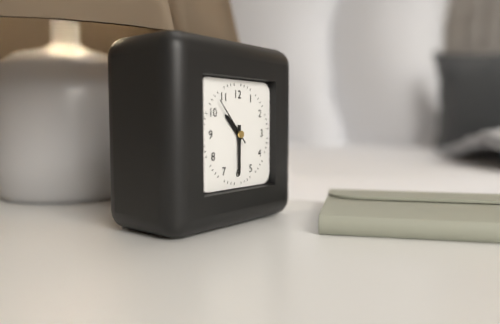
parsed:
10:30
